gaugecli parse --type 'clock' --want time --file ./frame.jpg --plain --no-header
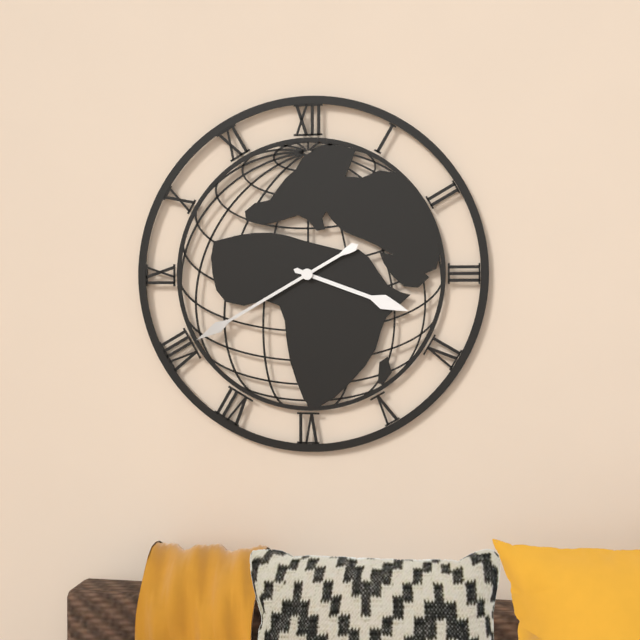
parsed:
3:40
